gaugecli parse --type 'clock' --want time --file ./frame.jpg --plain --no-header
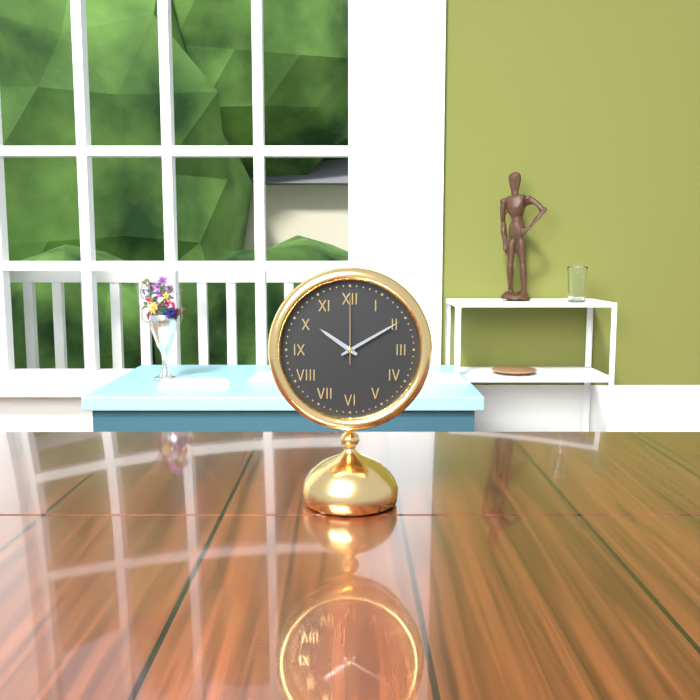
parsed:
10:10:00
